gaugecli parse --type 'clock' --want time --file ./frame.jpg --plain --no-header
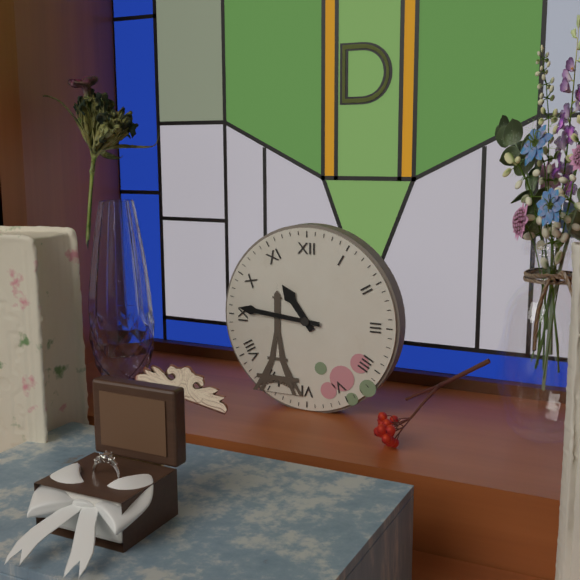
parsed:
10:46
